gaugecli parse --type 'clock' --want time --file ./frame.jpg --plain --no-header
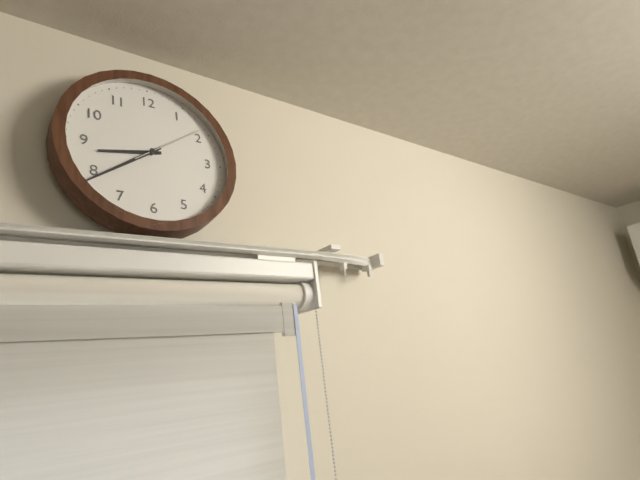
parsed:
8:39:09
